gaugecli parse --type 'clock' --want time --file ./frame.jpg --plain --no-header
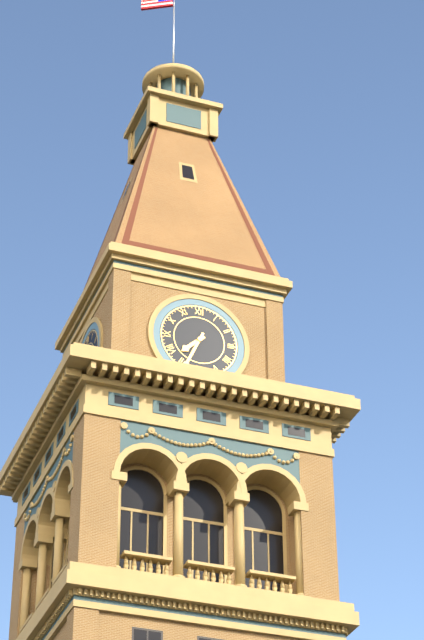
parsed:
7:34
